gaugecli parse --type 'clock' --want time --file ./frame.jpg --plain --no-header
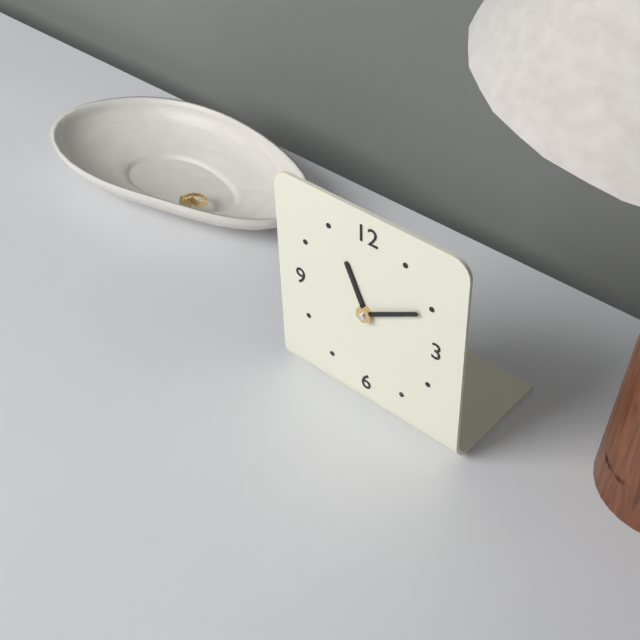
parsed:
11:10
